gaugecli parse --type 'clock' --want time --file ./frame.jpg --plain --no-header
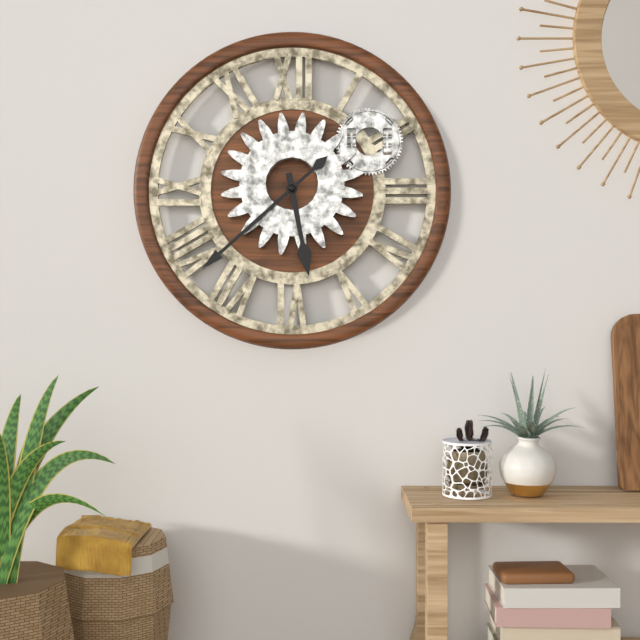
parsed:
5:38
